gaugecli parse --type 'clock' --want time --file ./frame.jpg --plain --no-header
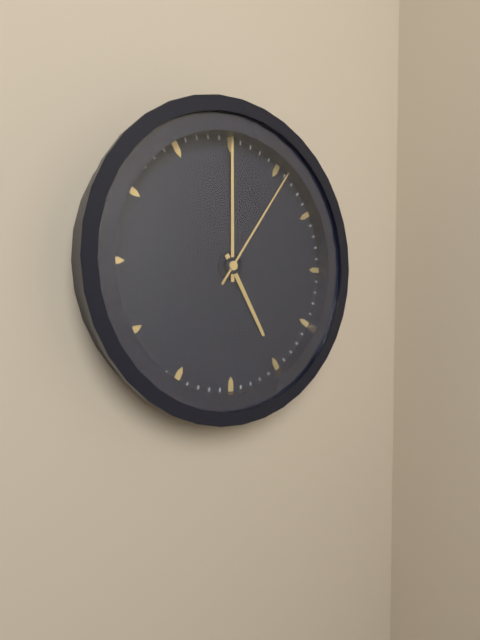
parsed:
5:00:06
